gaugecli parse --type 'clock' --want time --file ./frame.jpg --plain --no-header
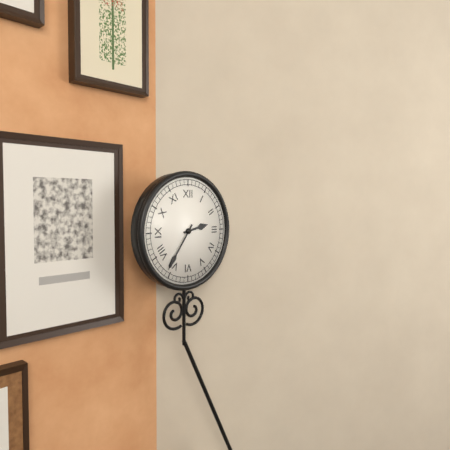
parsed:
2:36
